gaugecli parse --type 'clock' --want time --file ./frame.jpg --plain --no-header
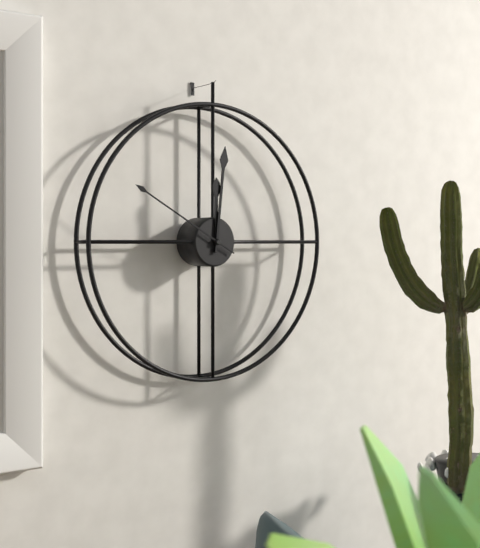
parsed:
12:01:50
